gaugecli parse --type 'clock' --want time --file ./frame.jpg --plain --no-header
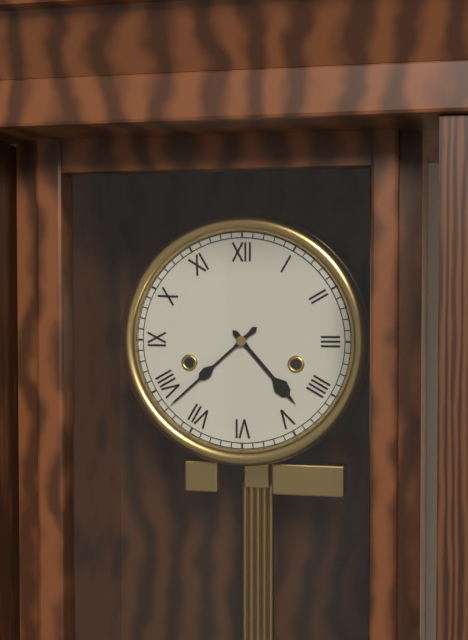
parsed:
4:38
